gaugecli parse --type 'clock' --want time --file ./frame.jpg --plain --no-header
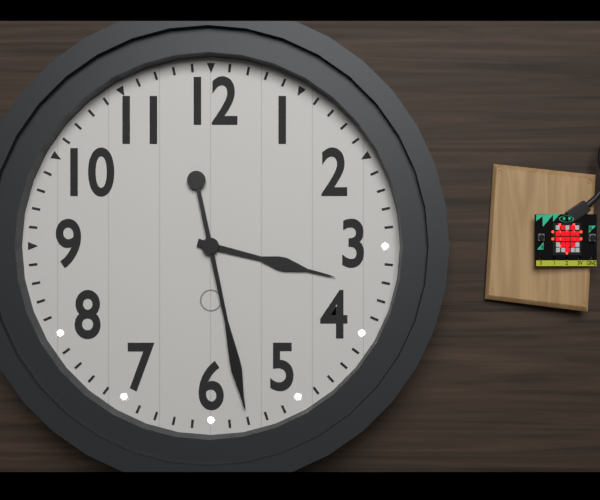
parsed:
3:28
